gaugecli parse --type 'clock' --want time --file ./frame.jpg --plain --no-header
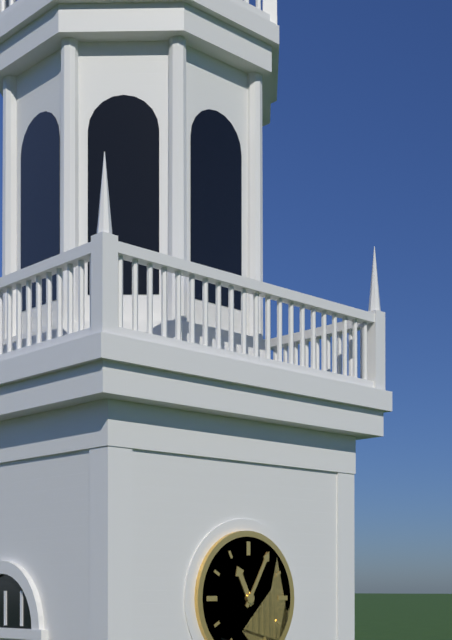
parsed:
11:05
